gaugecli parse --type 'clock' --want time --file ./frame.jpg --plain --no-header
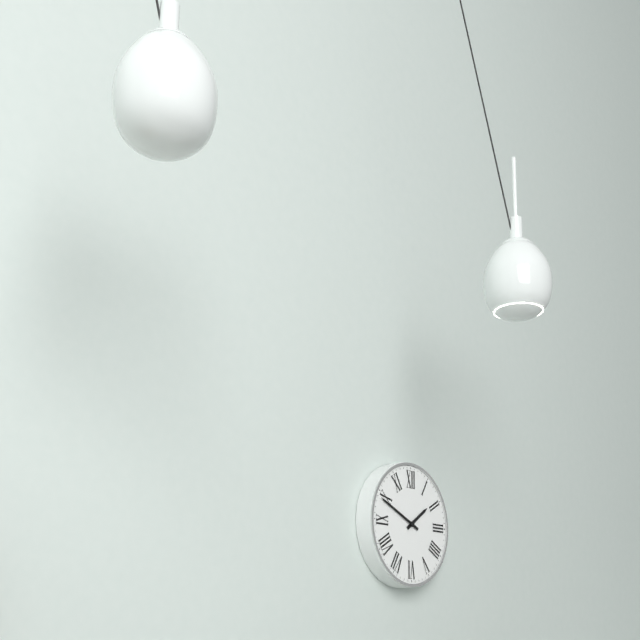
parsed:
1:49
